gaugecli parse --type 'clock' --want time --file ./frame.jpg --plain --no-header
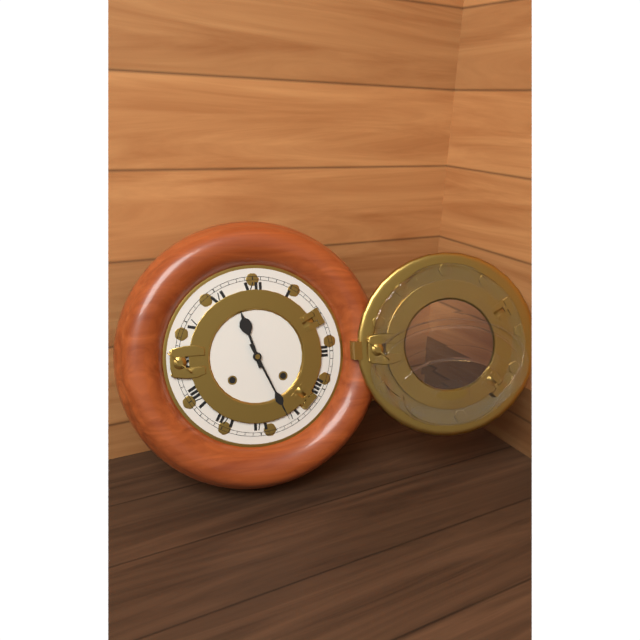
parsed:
11:26
